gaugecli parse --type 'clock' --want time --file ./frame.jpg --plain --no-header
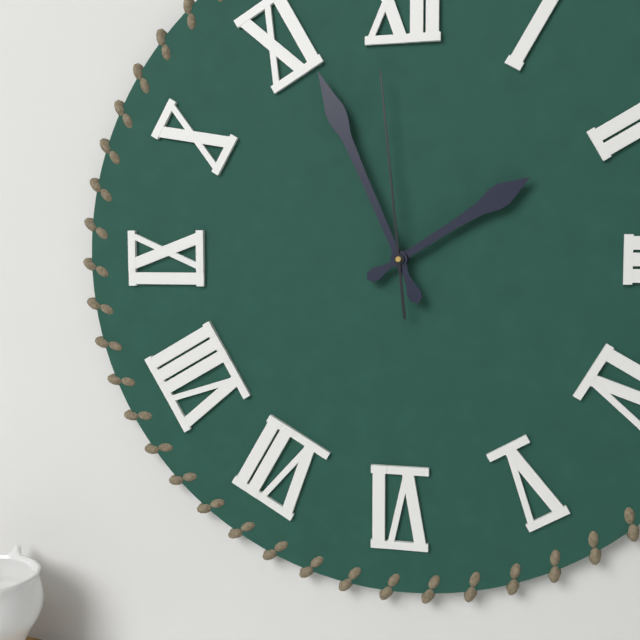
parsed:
1:56:59
